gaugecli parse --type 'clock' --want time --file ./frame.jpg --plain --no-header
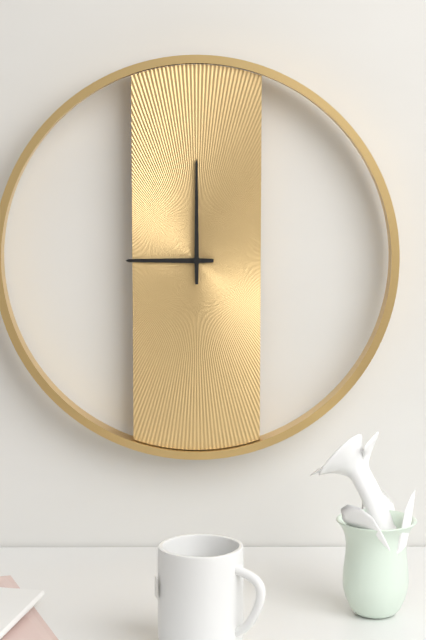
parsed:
9:00
